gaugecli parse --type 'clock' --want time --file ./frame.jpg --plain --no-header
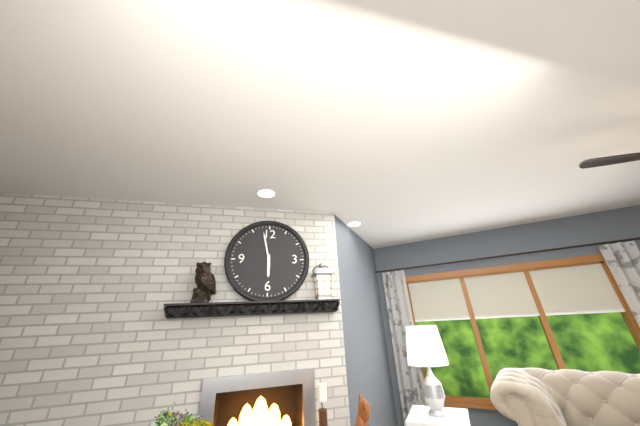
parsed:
5:58
